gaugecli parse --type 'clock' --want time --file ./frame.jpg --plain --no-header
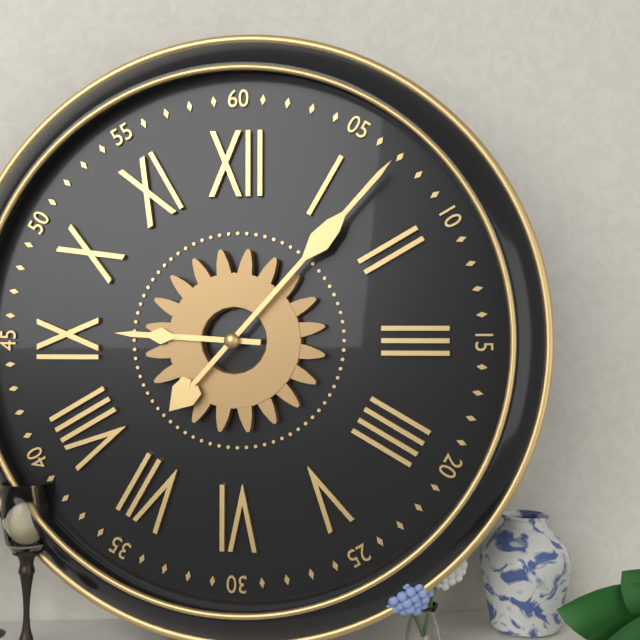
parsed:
9:07
